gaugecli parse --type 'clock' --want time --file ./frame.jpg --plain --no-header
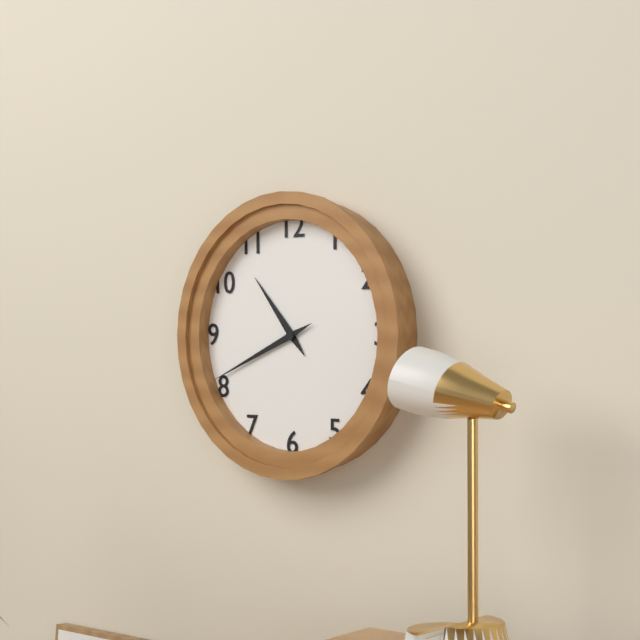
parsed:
10:41
